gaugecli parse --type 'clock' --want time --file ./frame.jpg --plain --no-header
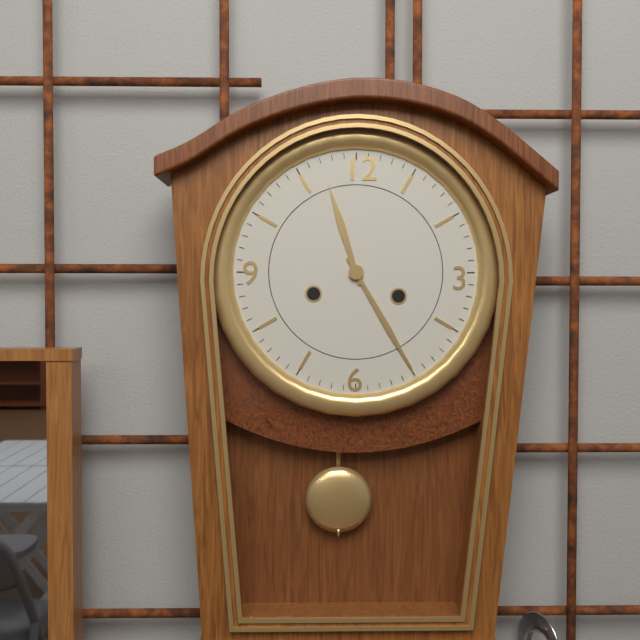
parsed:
11:25
